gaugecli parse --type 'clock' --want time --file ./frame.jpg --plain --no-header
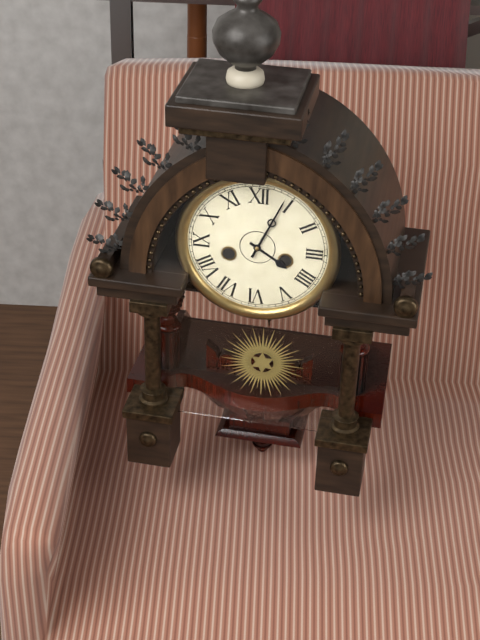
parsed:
4:04
